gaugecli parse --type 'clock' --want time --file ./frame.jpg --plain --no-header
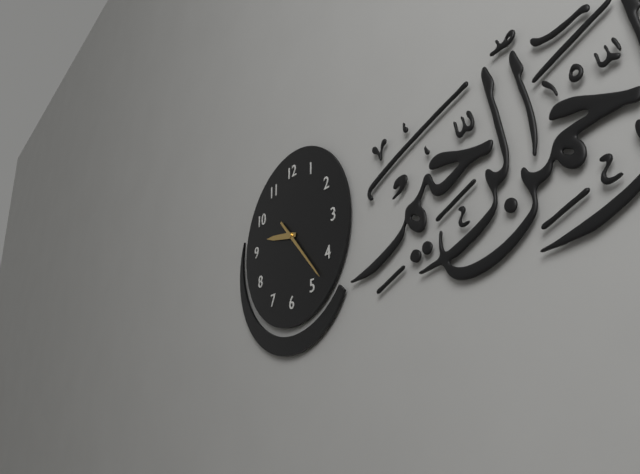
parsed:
9:23
